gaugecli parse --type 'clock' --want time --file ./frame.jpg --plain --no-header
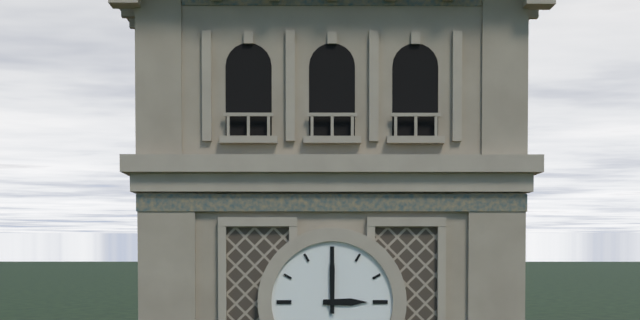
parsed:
3:00
